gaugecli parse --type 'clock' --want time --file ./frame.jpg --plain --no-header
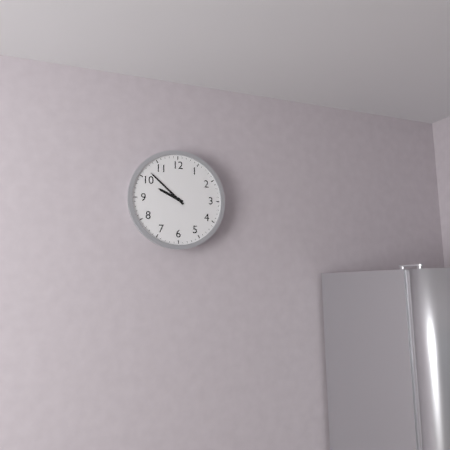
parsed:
9:52
